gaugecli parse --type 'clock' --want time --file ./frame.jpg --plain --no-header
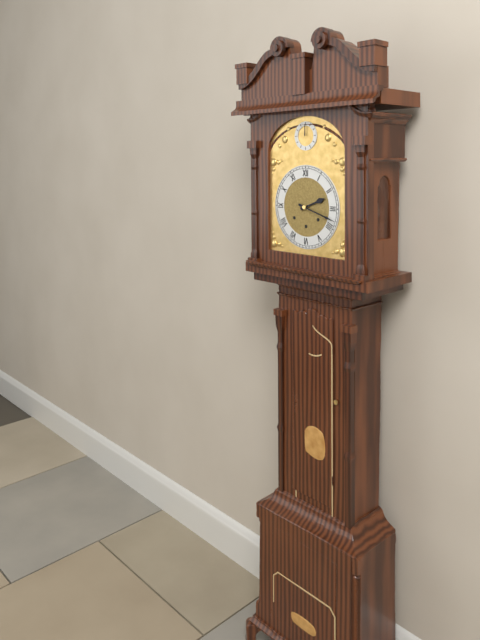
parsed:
2:18
